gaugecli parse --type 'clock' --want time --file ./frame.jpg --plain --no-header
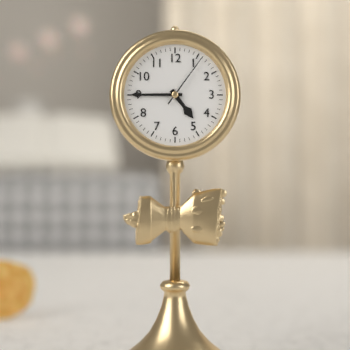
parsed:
4:45:06
